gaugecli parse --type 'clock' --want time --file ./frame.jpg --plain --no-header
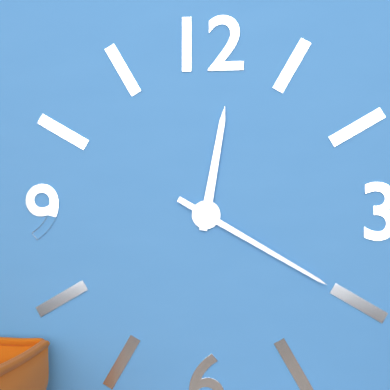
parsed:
12:20
